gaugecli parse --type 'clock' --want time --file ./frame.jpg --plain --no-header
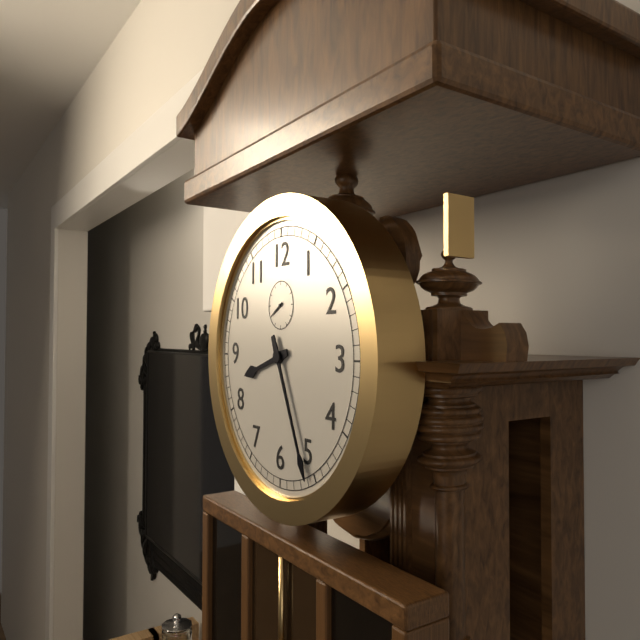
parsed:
8:26
